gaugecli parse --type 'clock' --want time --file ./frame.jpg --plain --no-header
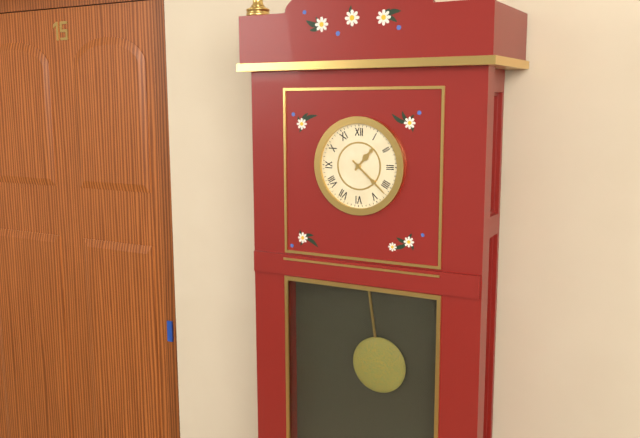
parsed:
1:22
